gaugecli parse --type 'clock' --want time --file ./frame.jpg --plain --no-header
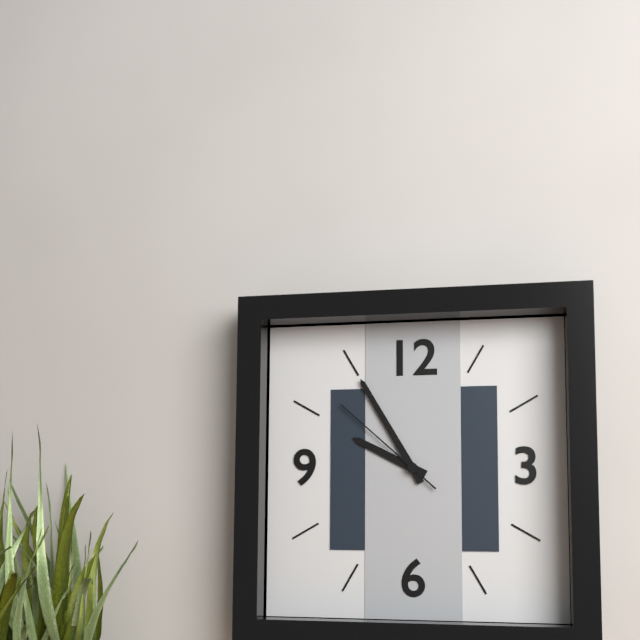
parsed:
9:55:52
